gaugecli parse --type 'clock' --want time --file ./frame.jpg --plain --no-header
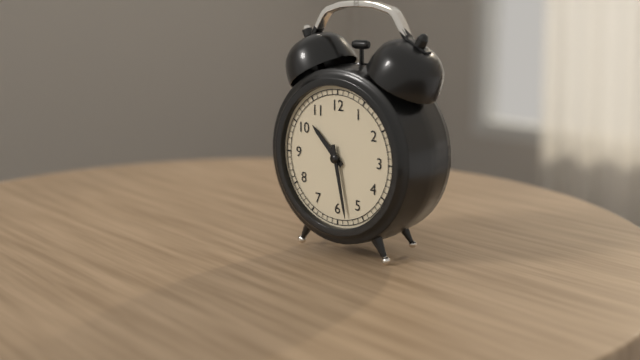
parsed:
10:28
